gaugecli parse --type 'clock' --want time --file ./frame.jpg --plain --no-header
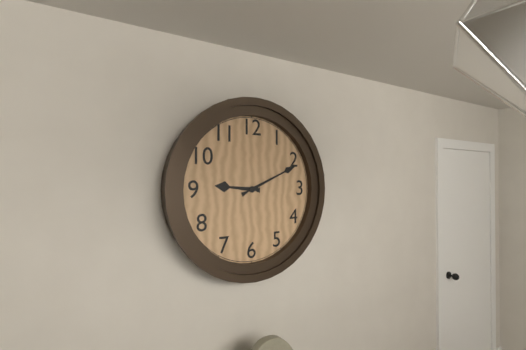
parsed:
9:11
